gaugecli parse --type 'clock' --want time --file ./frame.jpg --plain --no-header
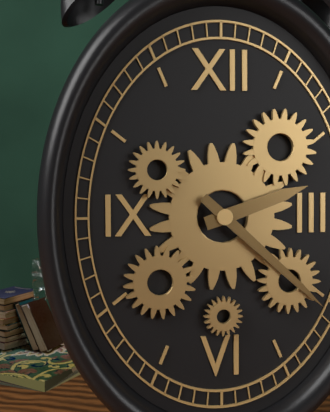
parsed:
2:22
